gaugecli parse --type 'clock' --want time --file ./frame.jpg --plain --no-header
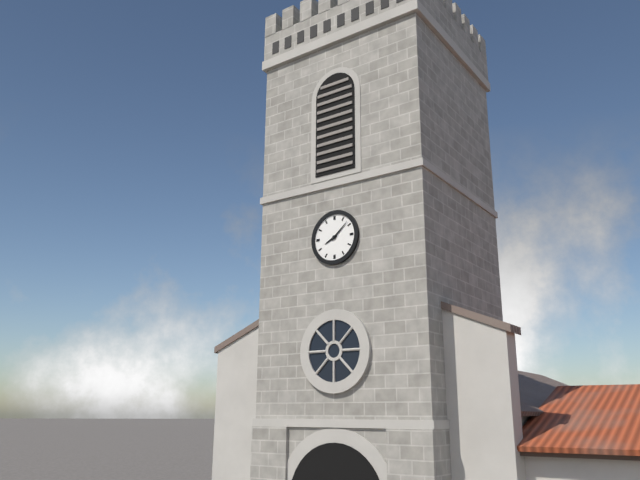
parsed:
8:08
